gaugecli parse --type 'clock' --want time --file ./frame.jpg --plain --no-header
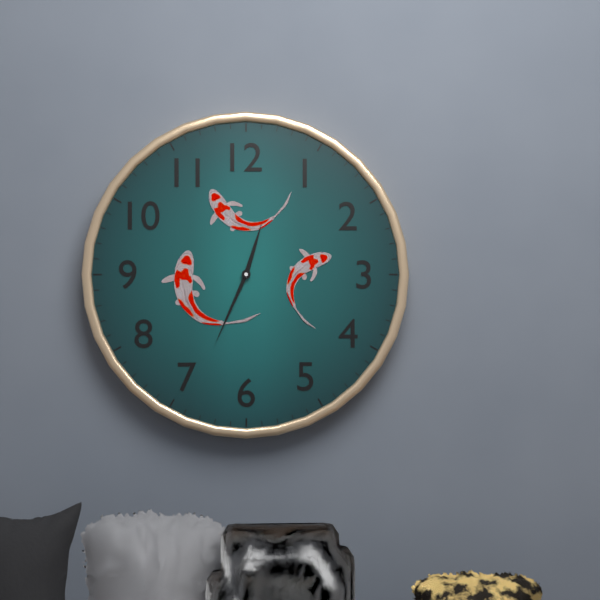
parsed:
12:34
